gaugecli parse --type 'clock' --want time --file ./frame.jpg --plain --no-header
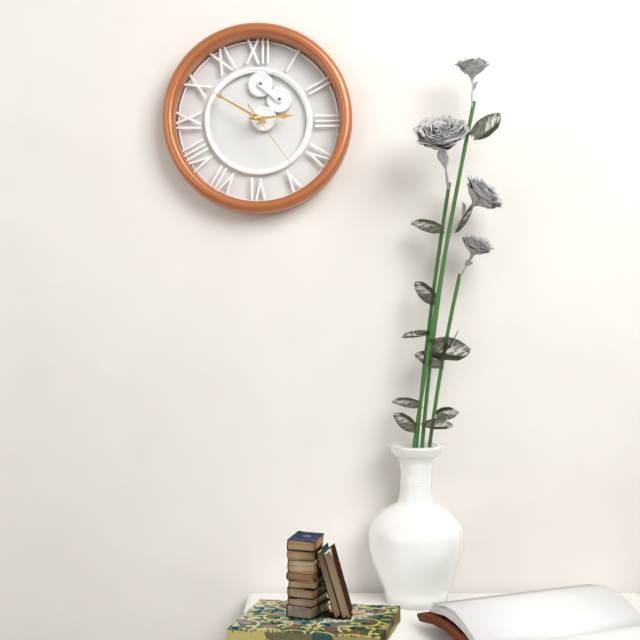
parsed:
2:50:24
